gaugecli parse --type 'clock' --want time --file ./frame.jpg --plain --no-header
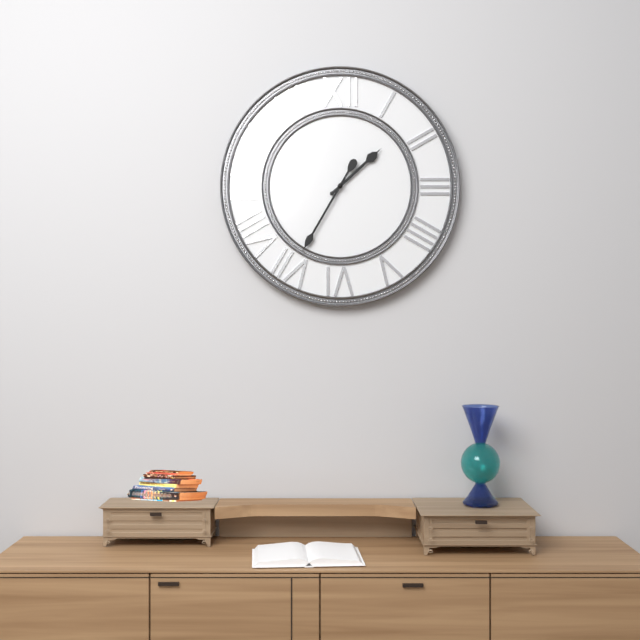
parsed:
1:35
